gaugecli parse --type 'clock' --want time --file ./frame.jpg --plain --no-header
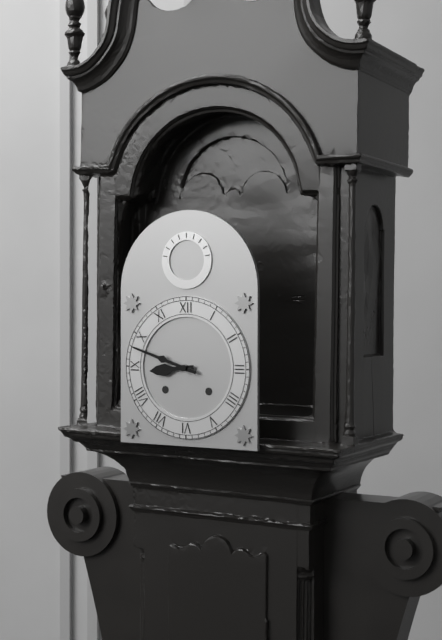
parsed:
8:48
